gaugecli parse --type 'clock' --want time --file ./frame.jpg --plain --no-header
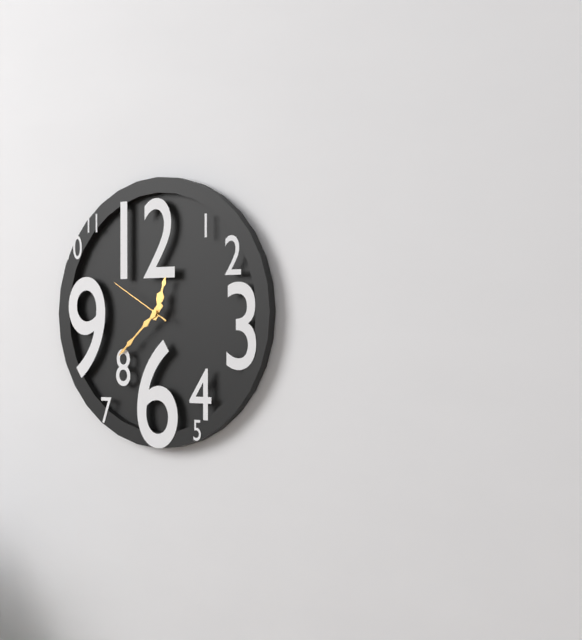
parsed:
12:38:50
